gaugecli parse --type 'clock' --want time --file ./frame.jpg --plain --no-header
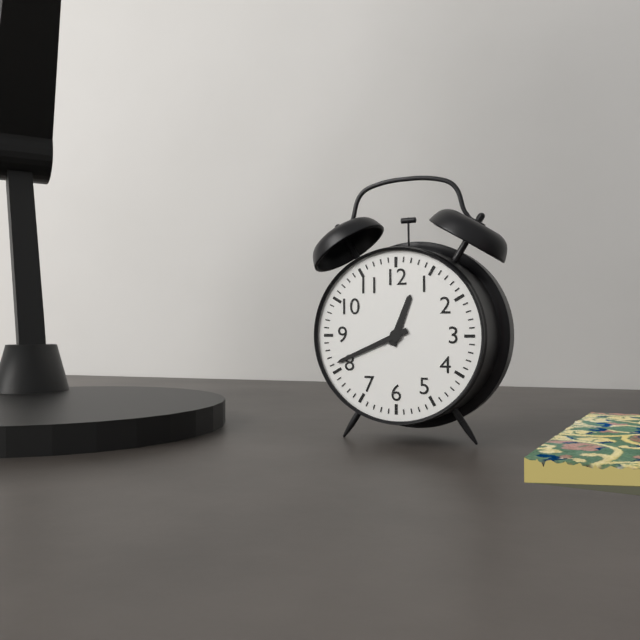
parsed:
12:41
